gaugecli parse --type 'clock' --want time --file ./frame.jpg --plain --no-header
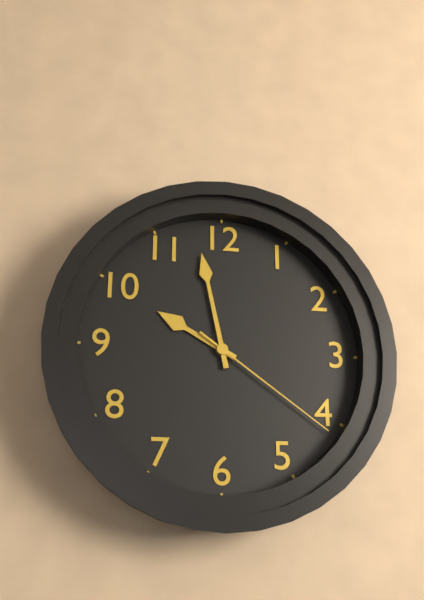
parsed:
9:58:21
